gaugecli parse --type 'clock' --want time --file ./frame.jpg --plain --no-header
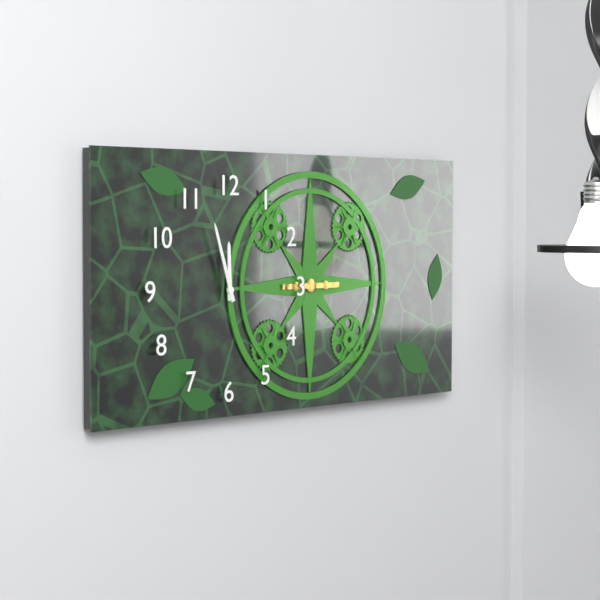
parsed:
11:57
